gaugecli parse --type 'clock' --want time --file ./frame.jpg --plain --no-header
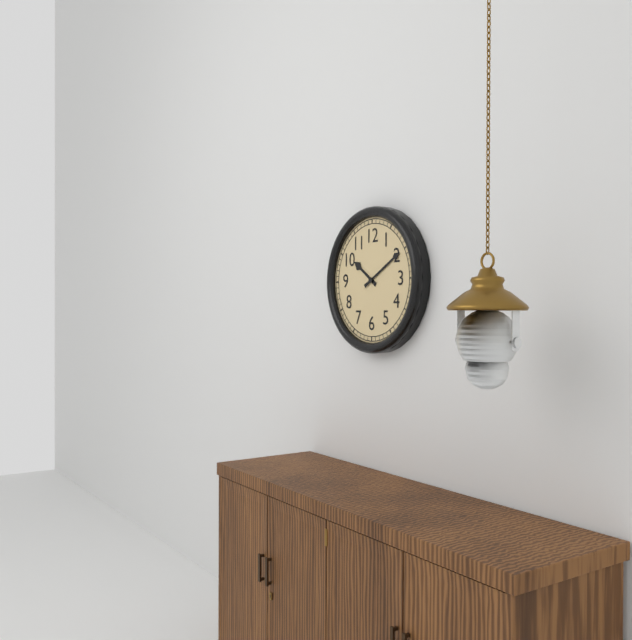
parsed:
10:10
